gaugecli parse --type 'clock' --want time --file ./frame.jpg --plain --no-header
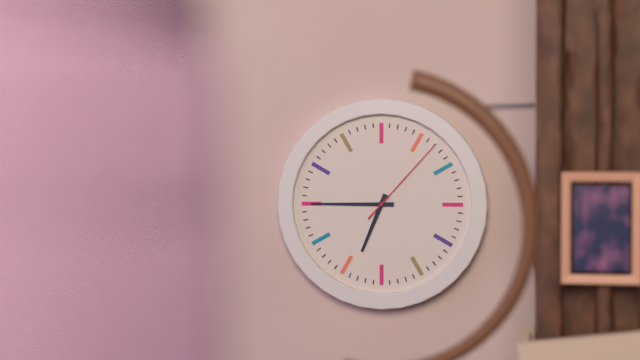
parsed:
6:45:07
